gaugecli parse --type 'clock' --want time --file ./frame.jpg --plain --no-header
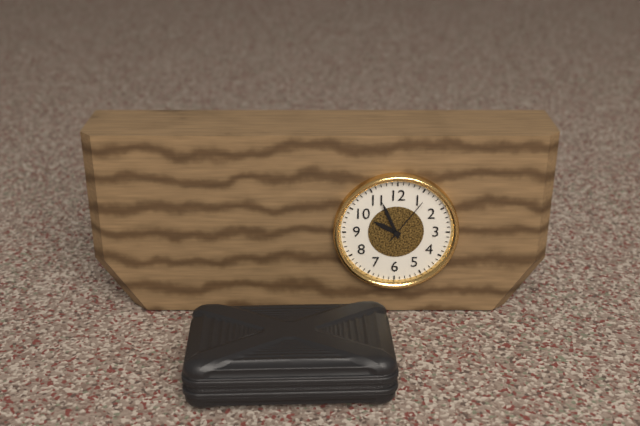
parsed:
9:56:06
